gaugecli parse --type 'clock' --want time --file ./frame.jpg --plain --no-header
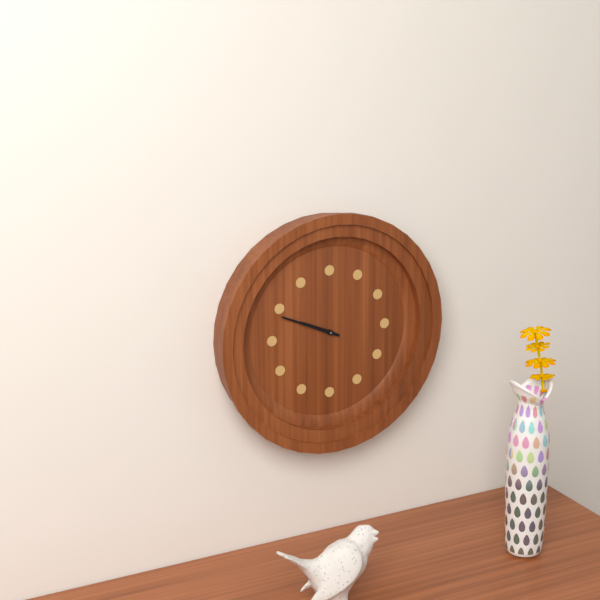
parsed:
9:49
